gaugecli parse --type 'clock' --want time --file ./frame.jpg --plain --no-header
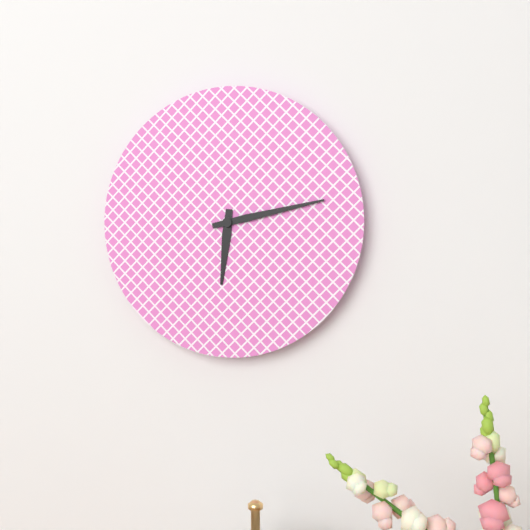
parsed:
6:13
